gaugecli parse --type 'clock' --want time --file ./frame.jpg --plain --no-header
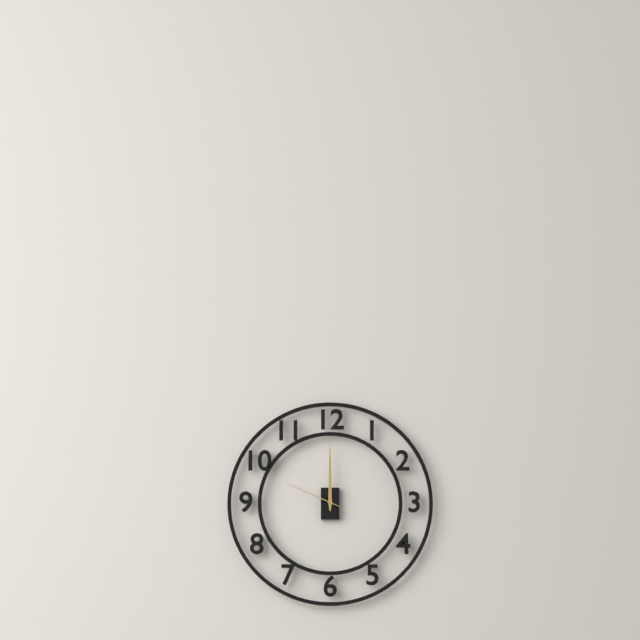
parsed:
12:00:49
